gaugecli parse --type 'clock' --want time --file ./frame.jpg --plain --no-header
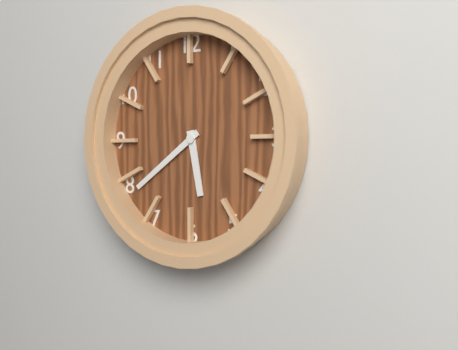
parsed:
5:39
